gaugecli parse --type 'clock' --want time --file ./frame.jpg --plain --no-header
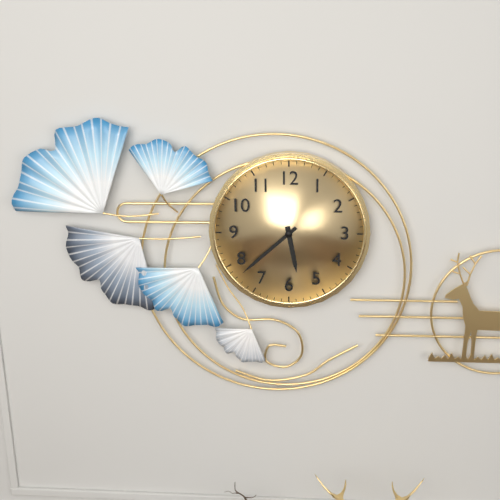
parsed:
5:38
